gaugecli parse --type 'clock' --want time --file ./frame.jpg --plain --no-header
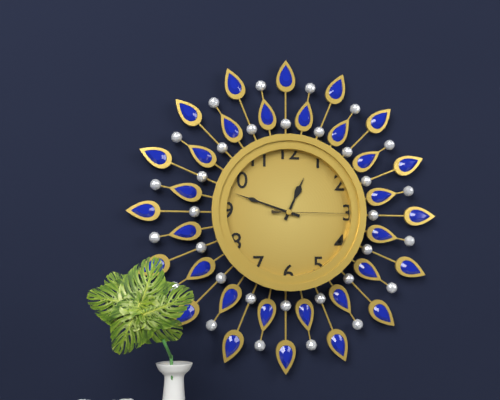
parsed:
12:48:15
